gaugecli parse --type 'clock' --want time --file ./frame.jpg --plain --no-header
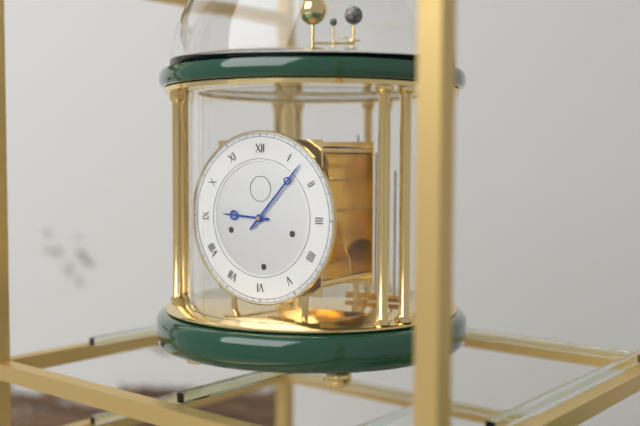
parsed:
9:07
